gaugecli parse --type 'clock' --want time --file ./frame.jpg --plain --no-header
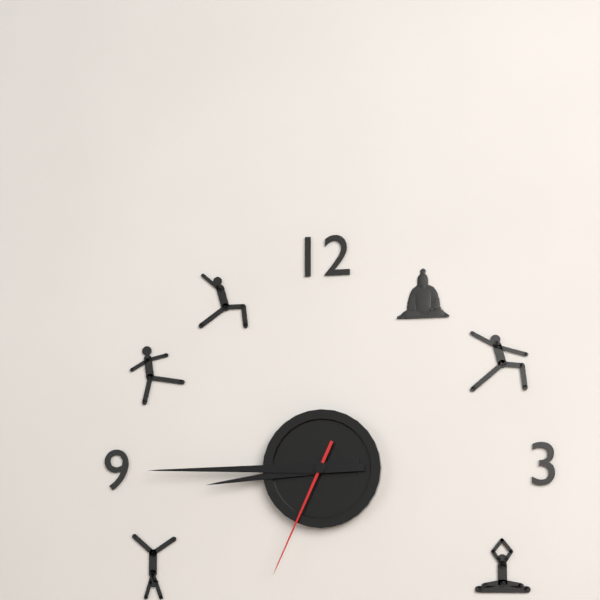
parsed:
8:45:34
